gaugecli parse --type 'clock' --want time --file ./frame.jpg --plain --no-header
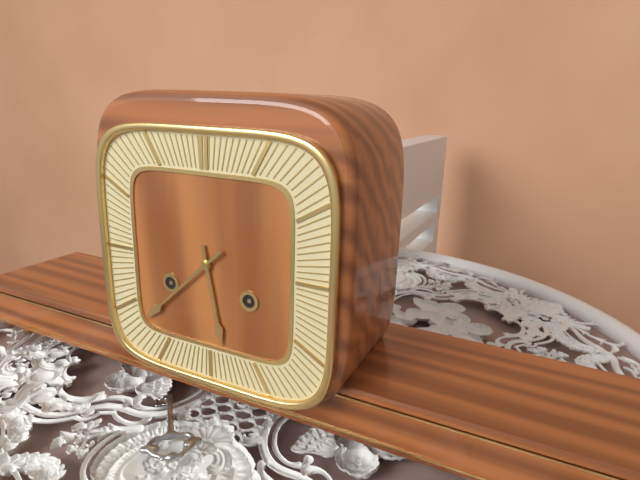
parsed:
5:38
